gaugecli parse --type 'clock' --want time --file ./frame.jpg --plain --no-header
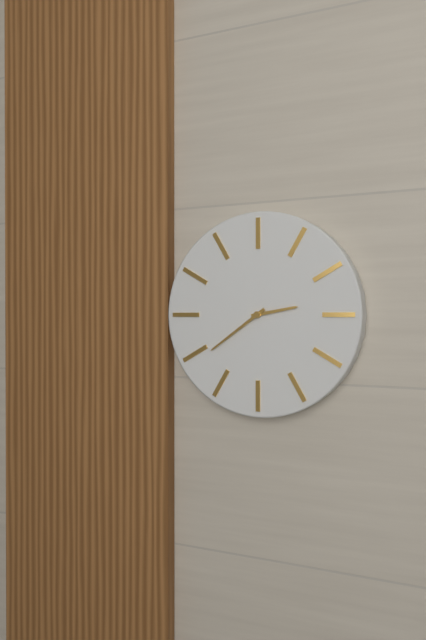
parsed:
2:39
